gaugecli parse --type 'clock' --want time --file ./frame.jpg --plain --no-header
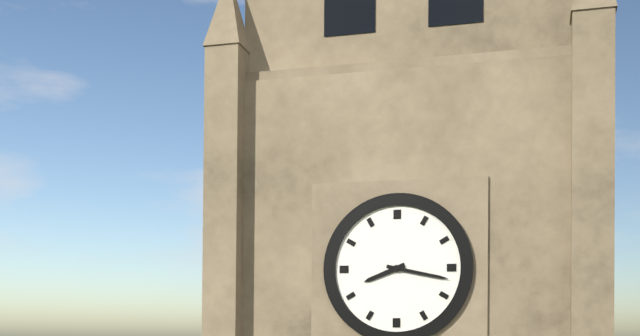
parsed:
8:17
